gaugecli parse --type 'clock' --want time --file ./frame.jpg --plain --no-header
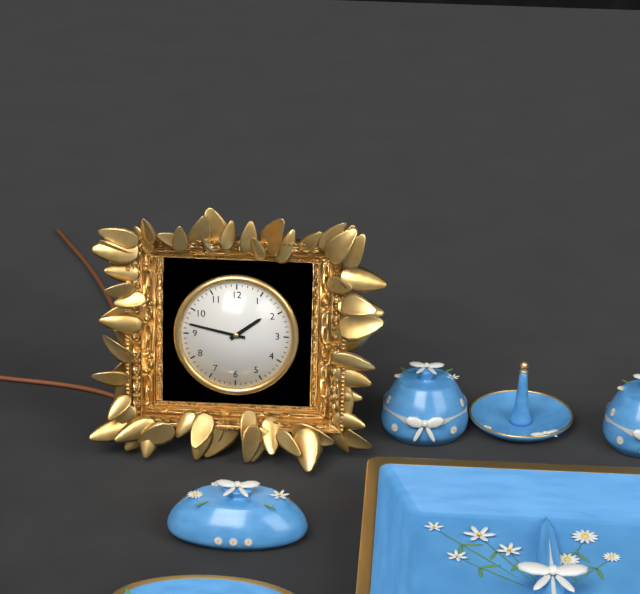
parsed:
1:47
